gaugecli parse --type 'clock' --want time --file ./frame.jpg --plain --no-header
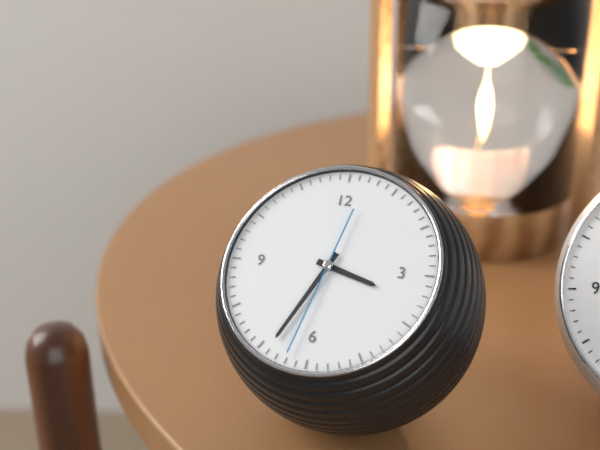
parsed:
3:34:32
